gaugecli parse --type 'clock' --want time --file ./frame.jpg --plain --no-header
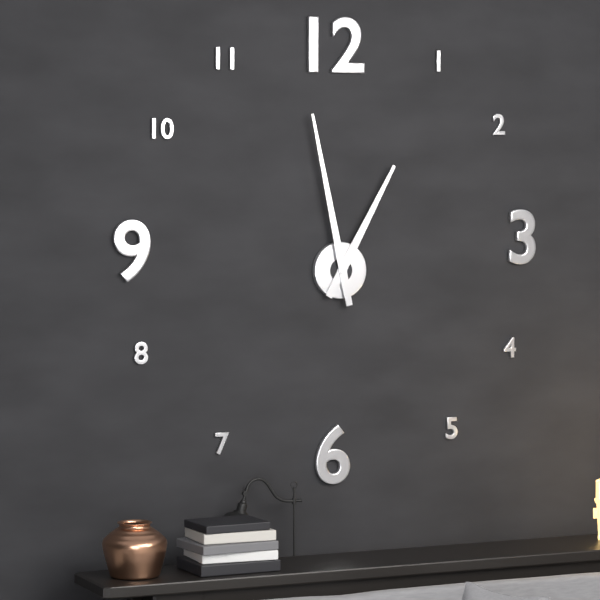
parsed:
12:58
